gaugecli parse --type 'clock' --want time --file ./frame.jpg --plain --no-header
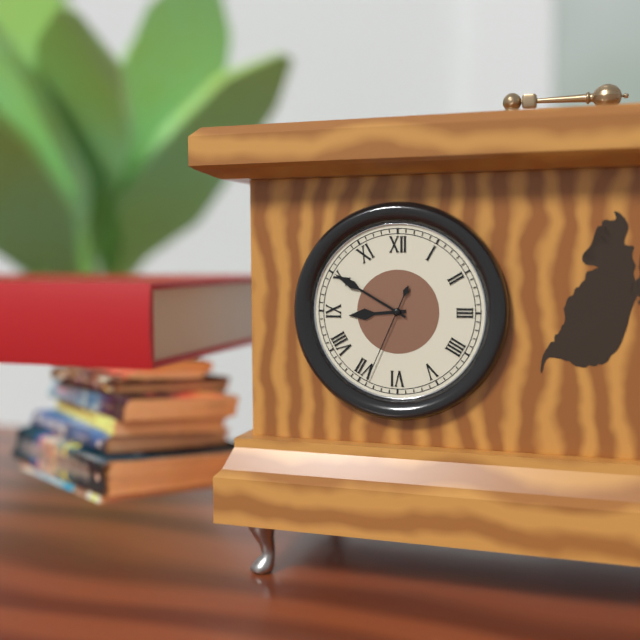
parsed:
8:50:34
